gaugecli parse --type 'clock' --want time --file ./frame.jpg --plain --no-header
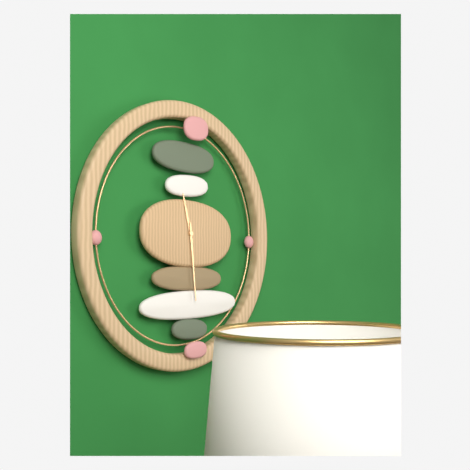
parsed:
11:29
